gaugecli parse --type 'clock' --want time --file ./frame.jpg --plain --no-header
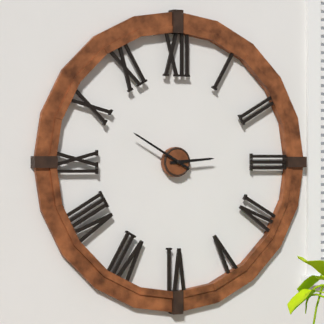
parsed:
2:50
